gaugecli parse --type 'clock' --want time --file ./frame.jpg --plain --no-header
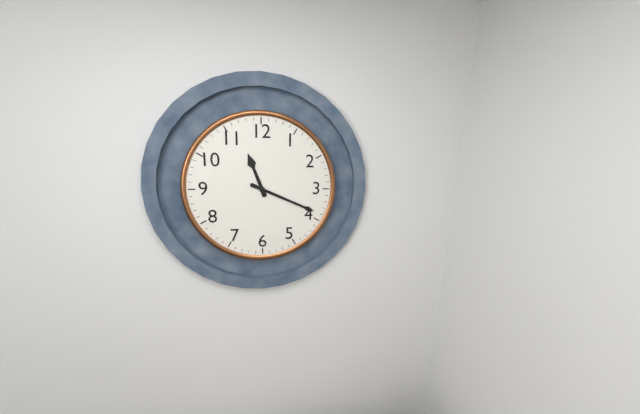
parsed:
11:19
